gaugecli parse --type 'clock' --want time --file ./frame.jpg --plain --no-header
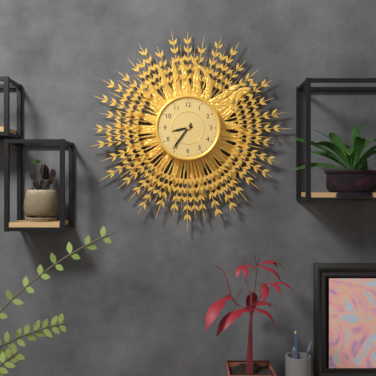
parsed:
8:36
